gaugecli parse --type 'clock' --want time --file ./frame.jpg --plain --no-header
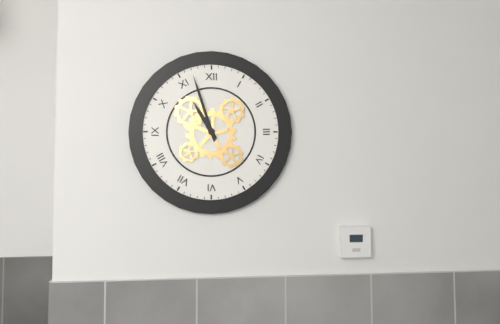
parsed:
10:57
